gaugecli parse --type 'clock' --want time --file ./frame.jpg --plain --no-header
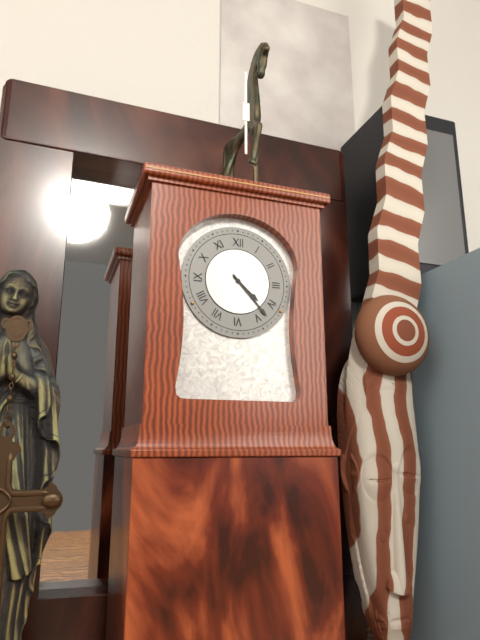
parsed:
4:23
